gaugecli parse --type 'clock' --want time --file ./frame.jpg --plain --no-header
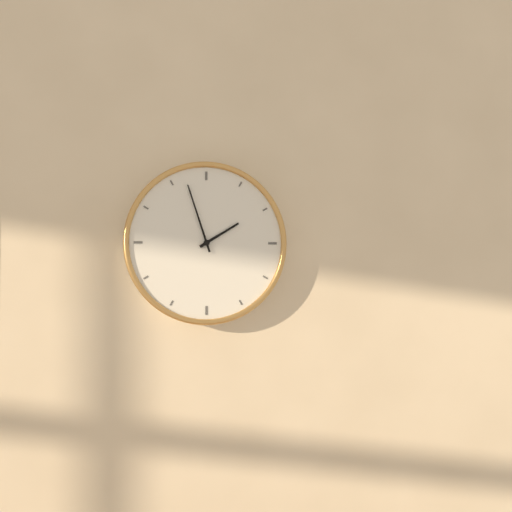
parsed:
1:57
